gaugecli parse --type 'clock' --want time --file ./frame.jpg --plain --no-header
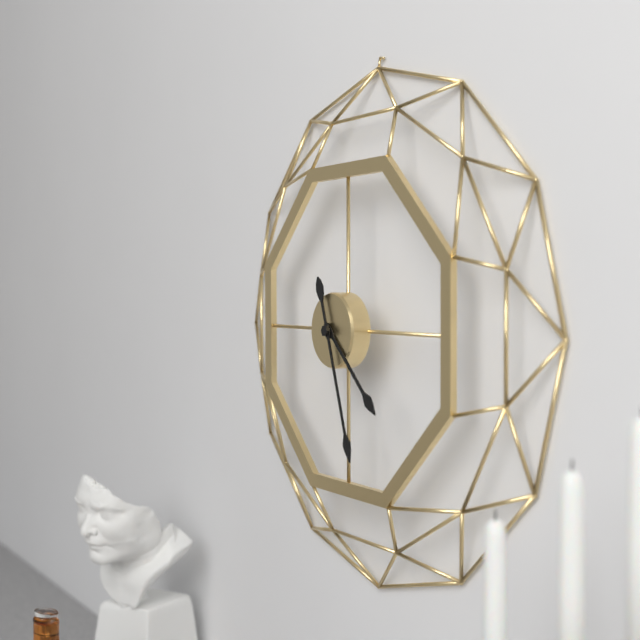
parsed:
4:27
